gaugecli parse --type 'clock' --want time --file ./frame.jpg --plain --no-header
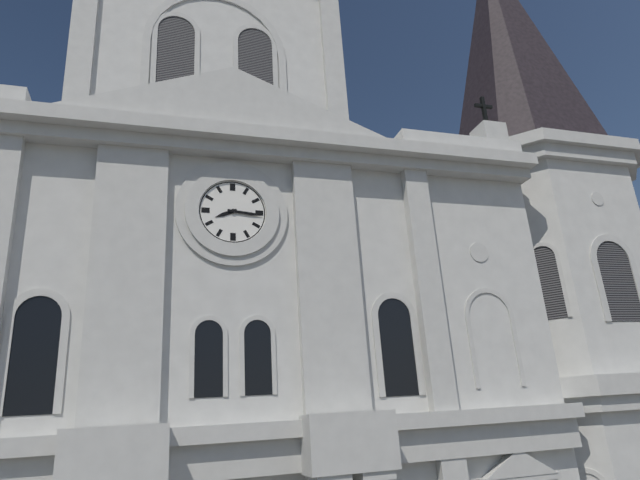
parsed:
8:16
